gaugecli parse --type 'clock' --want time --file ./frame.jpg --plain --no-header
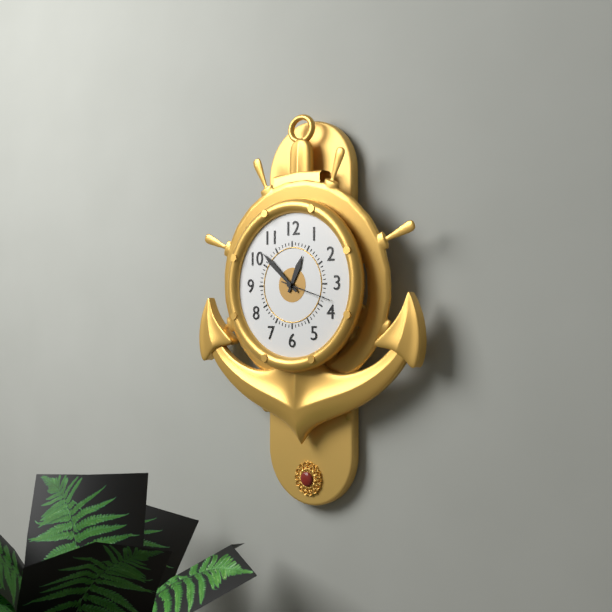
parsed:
12:52:18
